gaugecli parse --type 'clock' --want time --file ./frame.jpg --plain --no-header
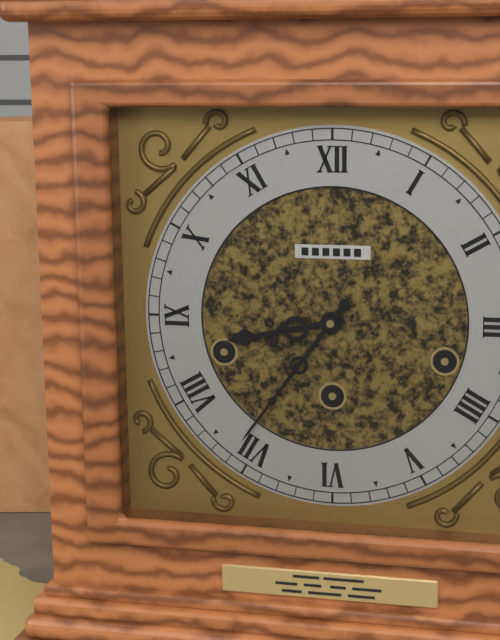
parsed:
8:36
